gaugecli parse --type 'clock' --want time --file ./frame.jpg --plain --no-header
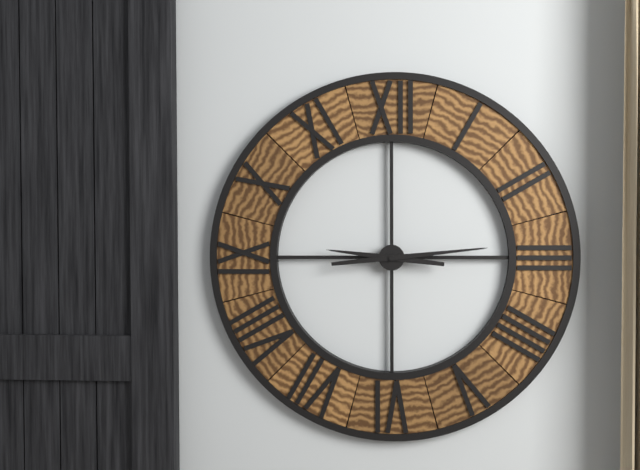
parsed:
9:14
